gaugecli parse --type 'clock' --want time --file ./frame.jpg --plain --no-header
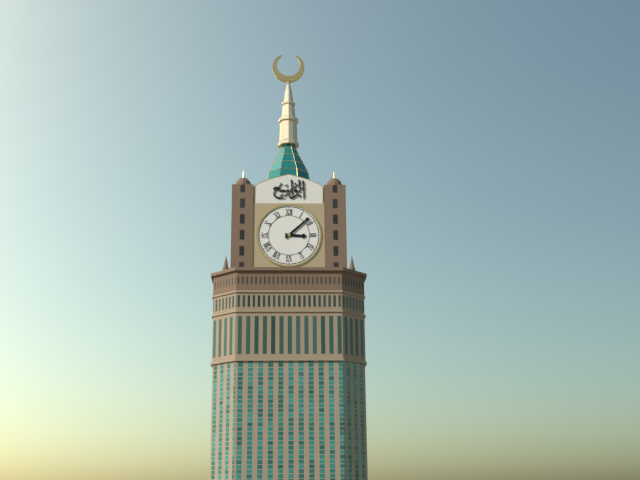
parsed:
3:08
